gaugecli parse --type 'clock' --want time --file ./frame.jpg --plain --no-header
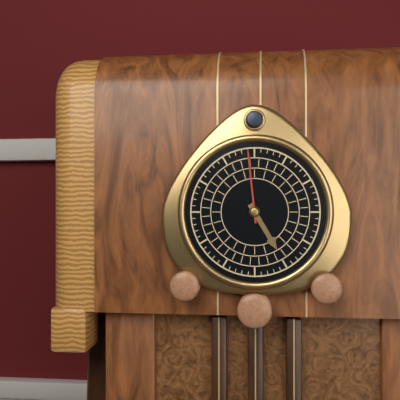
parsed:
4:59
